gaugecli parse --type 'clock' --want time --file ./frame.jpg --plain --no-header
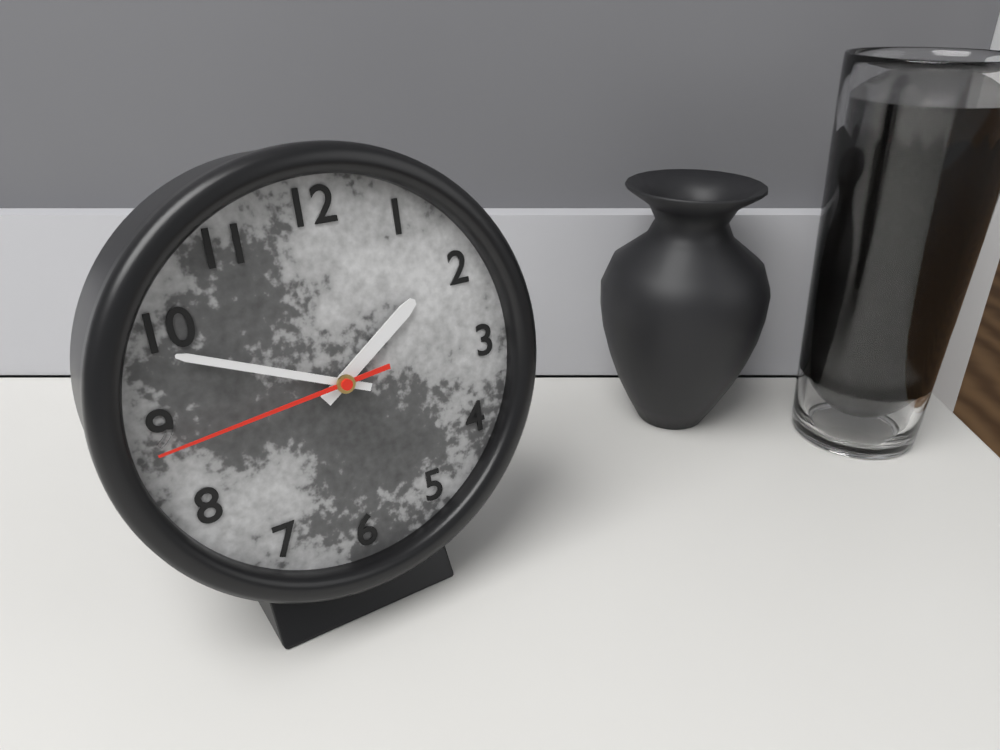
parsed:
1:49:44
